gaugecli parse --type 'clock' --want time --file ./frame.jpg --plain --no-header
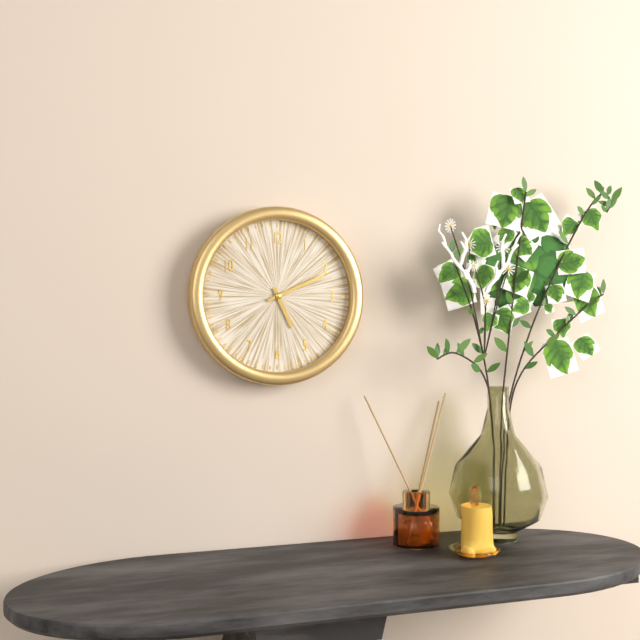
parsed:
5:11
